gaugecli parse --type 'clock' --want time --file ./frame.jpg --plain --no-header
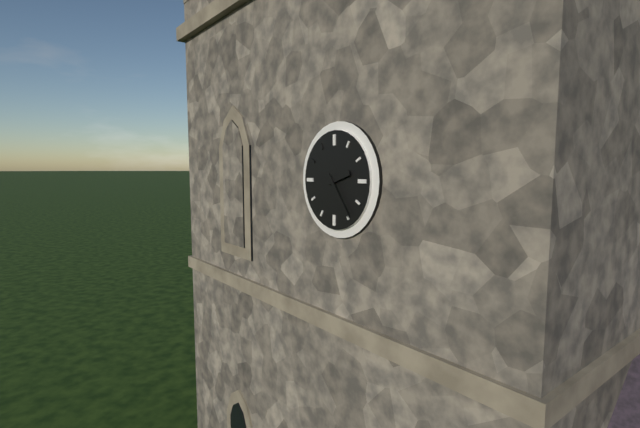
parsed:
2:24
